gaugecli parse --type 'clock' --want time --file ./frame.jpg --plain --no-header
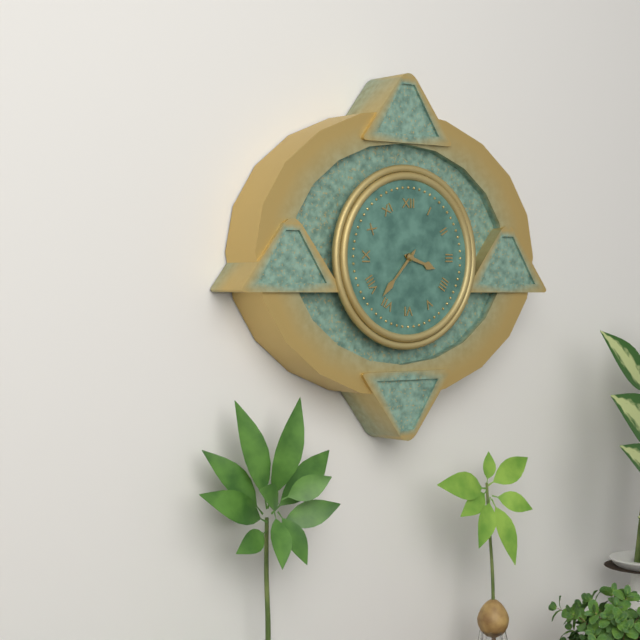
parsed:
3:37
